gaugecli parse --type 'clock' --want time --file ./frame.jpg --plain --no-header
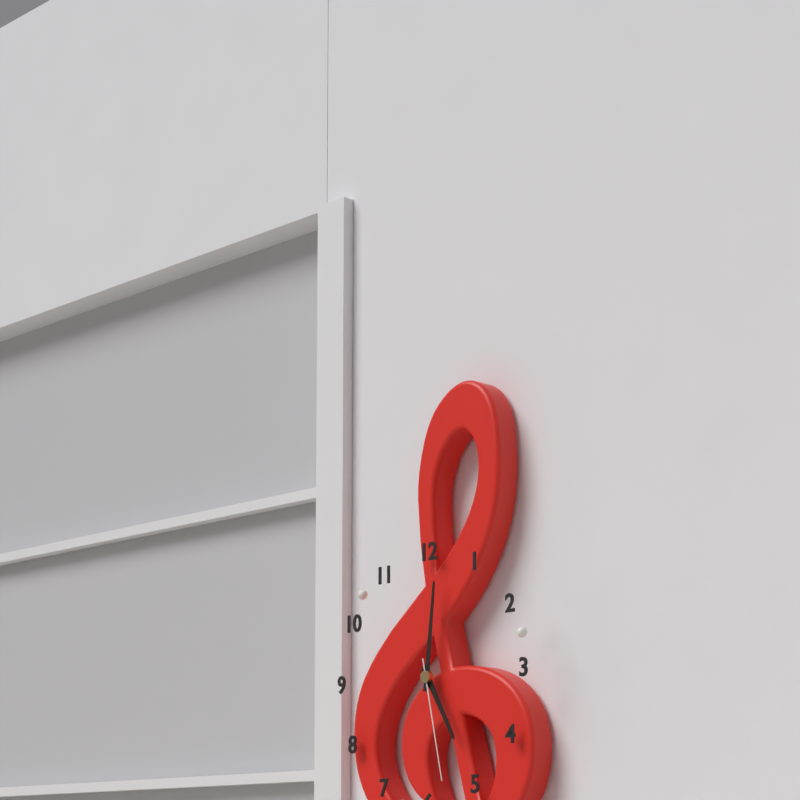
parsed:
5:01:28
